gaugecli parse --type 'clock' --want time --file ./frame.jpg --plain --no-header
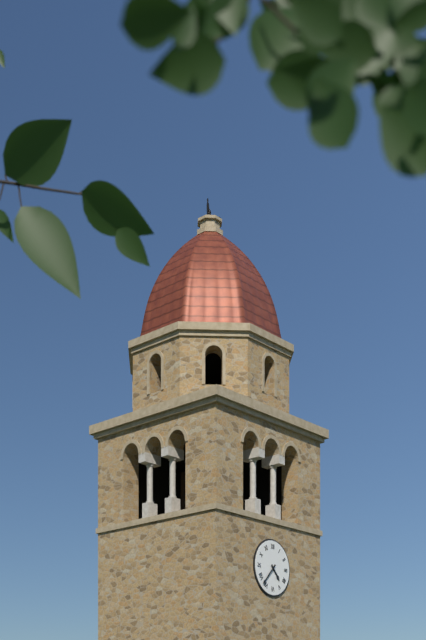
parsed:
4:37
